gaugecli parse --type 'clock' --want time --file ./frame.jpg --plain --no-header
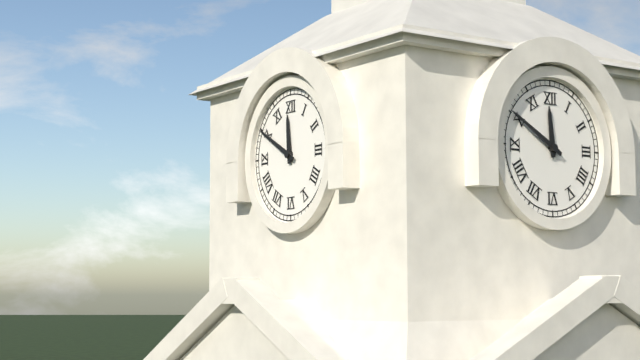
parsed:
11:50
